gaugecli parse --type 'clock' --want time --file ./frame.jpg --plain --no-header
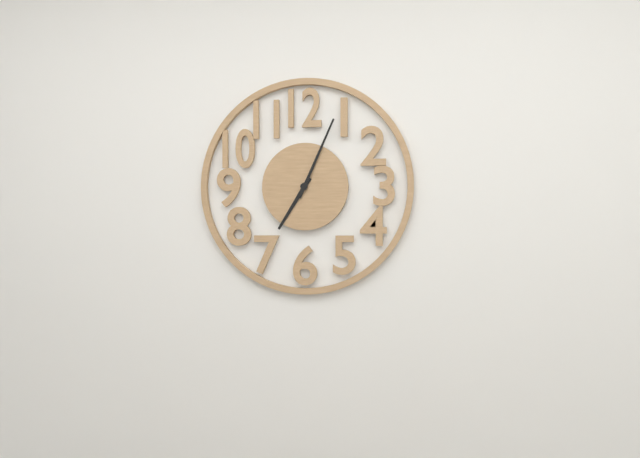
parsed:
7:04
